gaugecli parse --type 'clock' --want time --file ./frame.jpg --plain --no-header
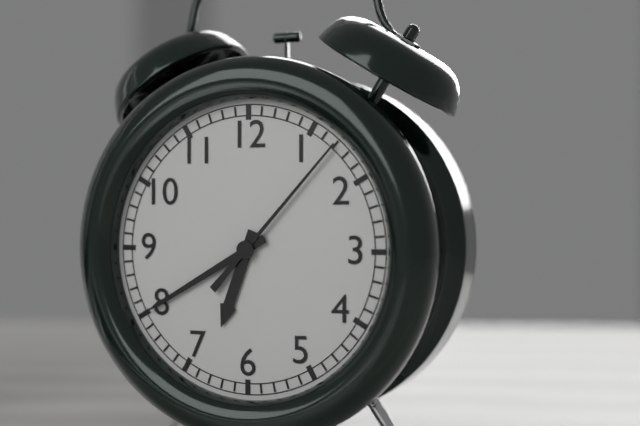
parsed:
6:40:07
